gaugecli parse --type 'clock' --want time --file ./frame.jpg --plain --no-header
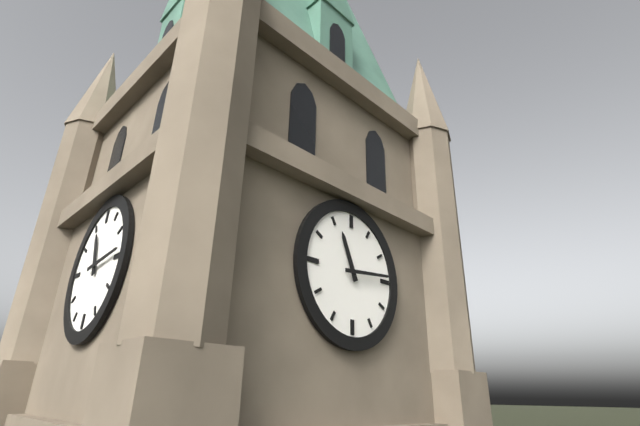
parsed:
11:14
